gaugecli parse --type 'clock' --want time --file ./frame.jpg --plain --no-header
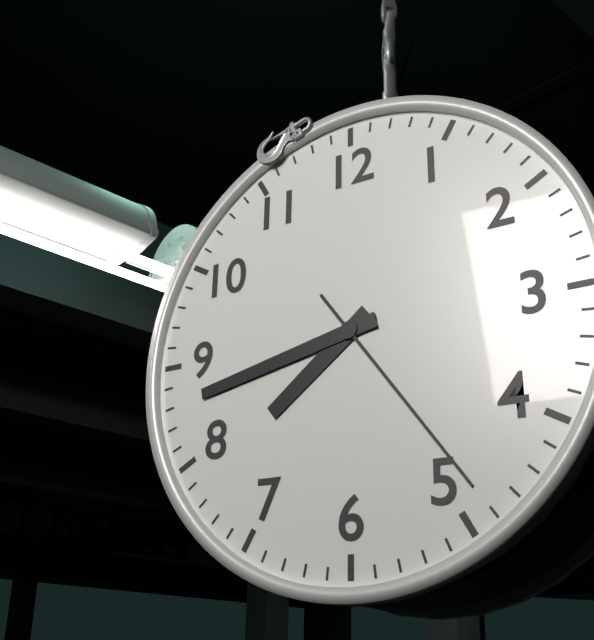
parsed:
7:43:24
